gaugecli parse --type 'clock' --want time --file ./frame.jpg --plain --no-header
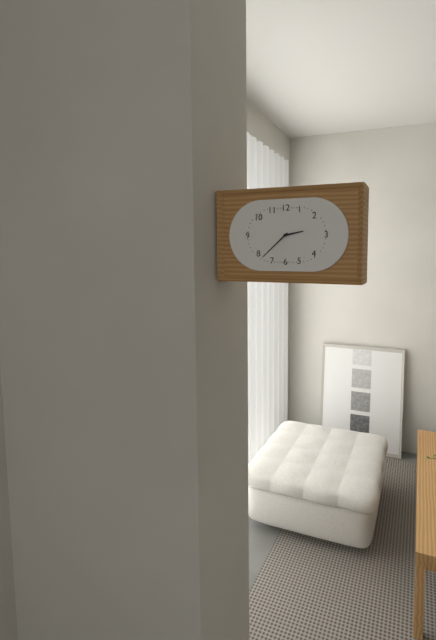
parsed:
2:38
